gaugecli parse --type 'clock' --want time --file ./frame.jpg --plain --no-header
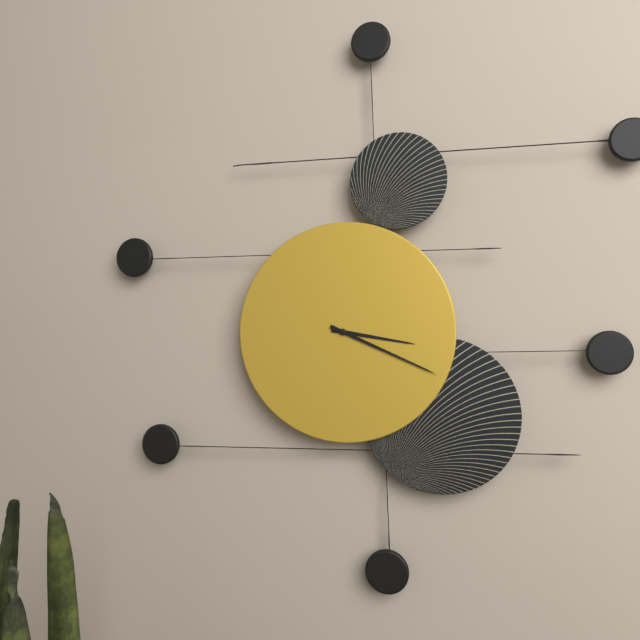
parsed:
3:19
